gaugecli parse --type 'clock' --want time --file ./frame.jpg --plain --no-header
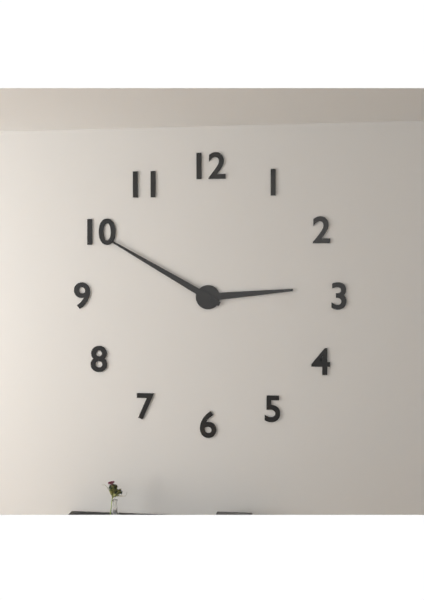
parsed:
2:50
